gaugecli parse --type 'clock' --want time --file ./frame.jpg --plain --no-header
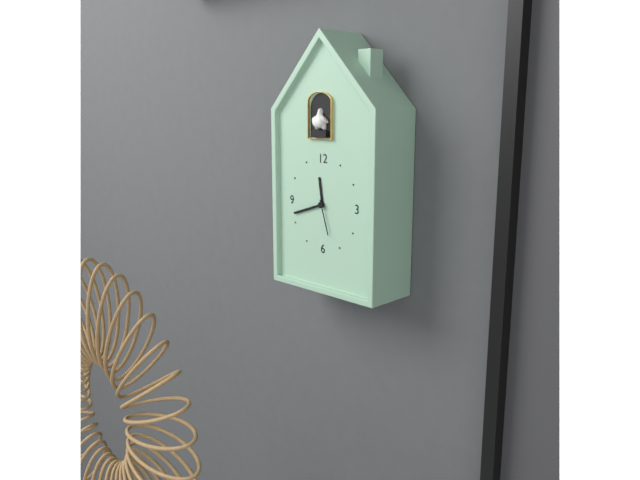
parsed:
11:42
